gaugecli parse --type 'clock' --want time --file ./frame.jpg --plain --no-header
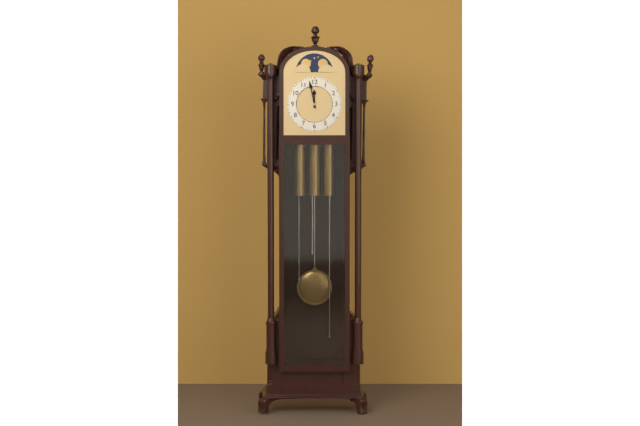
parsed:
11:58
